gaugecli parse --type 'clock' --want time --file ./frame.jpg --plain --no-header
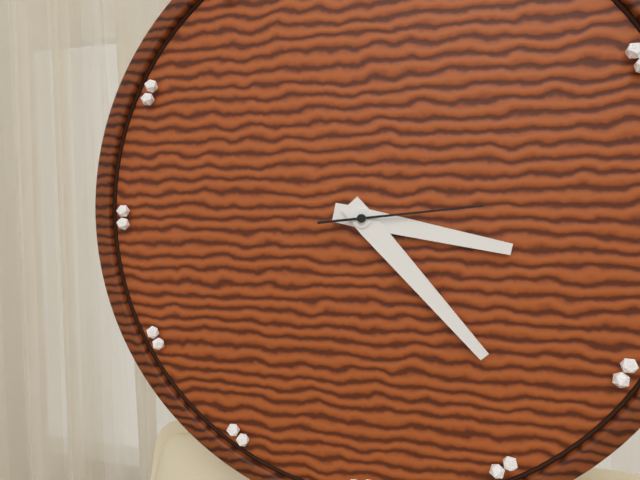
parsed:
3:23:14
